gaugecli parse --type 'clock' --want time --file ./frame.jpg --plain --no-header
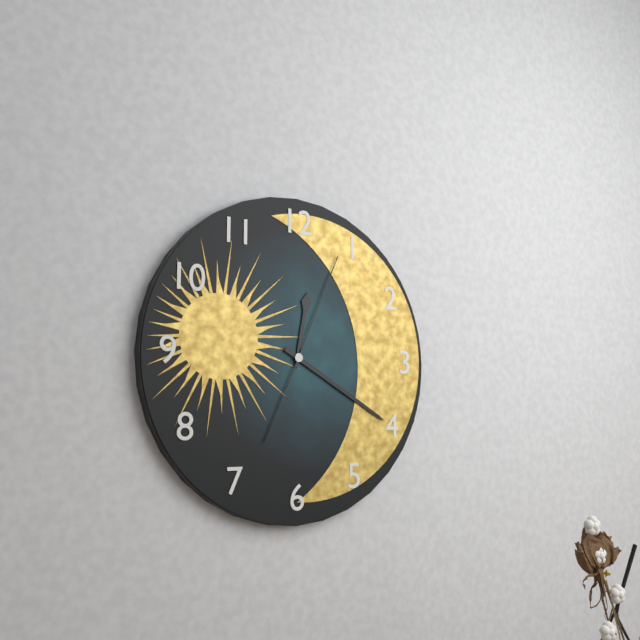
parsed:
12:20:04
